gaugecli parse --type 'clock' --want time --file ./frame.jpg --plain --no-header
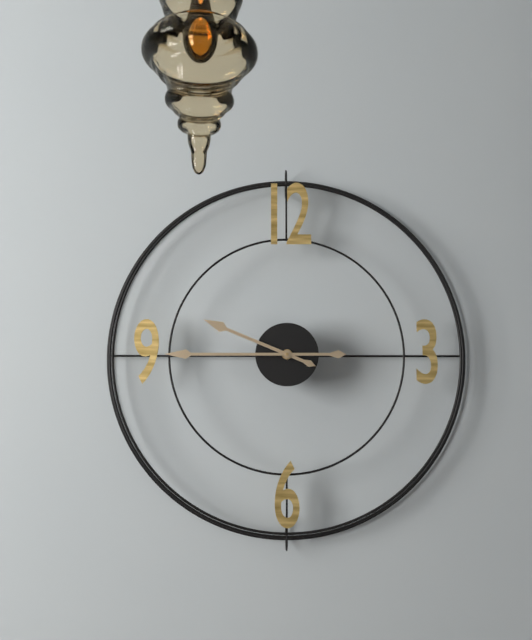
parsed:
9:45
